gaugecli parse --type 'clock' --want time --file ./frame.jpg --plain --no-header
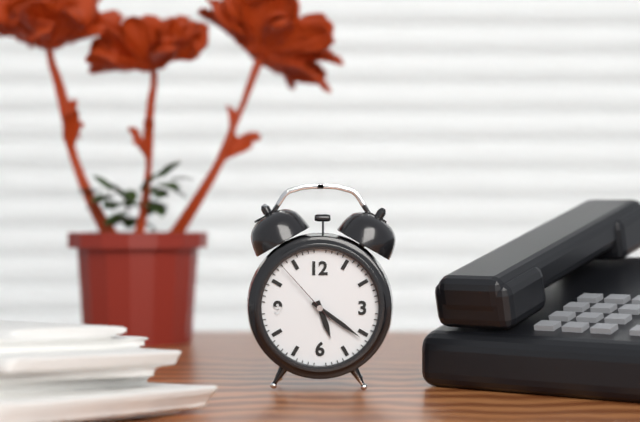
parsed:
5:21:53
